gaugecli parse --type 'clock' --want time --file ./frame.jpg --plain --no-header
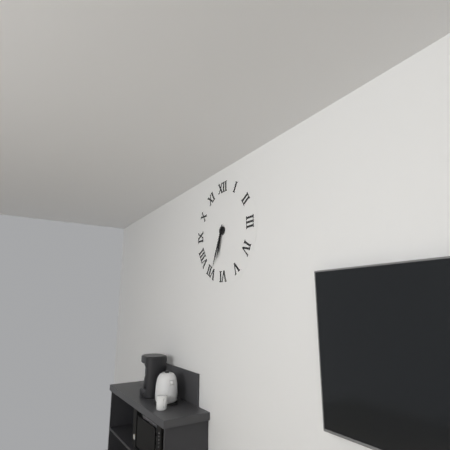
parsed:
6:34
